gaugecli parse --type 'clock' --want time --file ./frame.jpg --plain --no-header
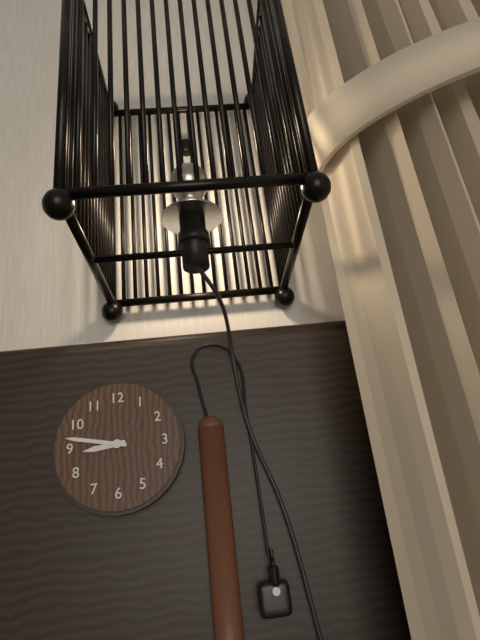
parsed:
8:47
